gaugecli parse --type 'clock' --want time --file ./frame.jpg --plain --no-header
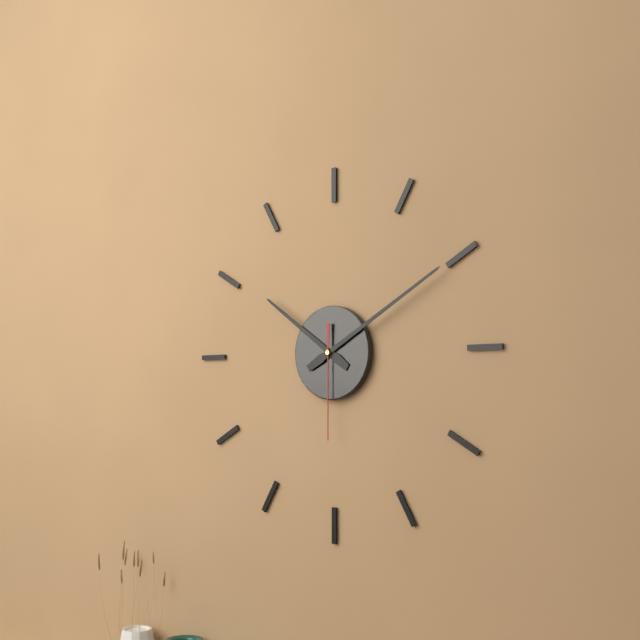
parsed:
10:10:30
